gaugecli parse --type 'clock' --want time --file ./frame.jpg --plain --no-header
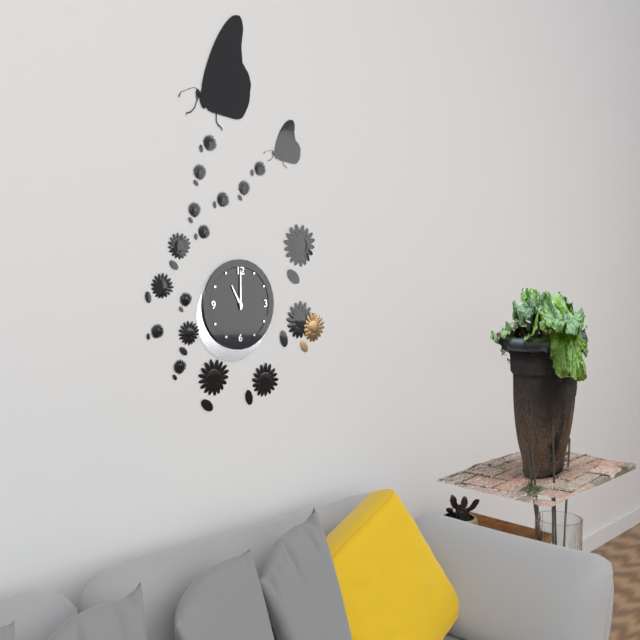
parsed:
11:00
